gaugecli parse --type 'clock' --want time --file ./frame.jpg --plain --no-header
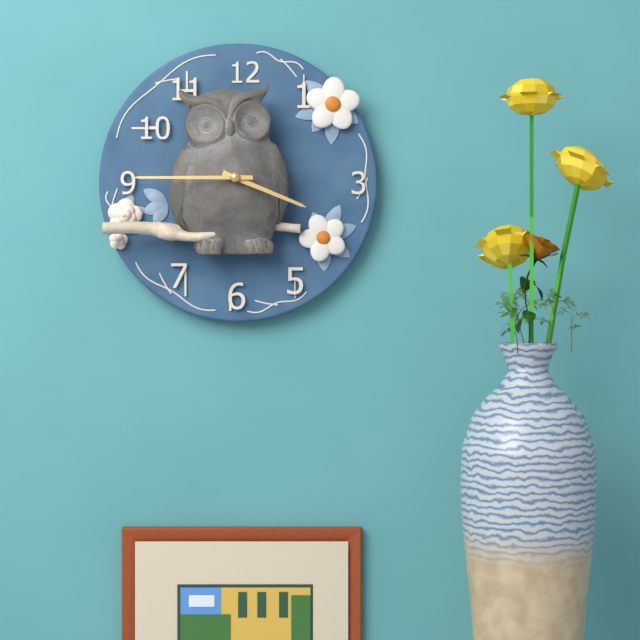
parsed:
3:45
